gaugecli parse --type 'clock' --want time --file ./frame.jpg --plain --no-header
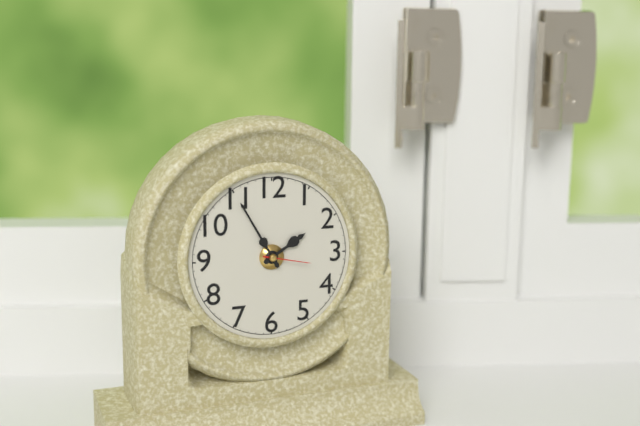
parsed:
1:55
